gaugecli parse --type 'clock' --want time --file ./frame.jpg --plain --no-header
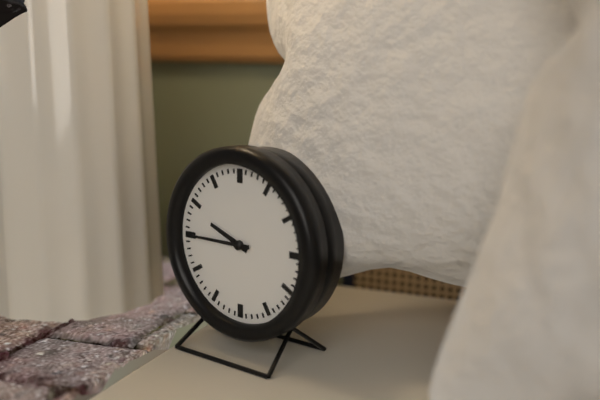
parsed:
9:45
